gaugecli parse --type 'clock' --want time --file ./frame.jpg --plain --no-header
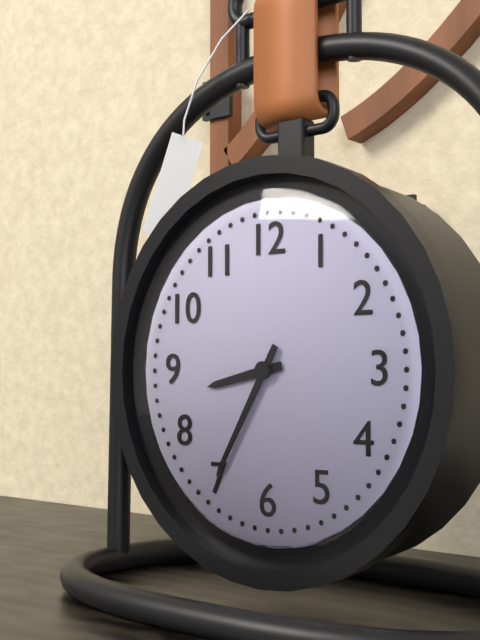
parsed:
8:35
